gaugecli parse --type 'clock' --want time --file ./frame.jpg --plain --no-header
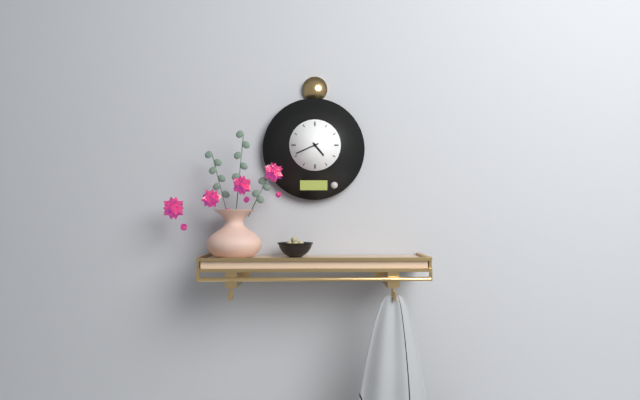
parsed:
4:41
